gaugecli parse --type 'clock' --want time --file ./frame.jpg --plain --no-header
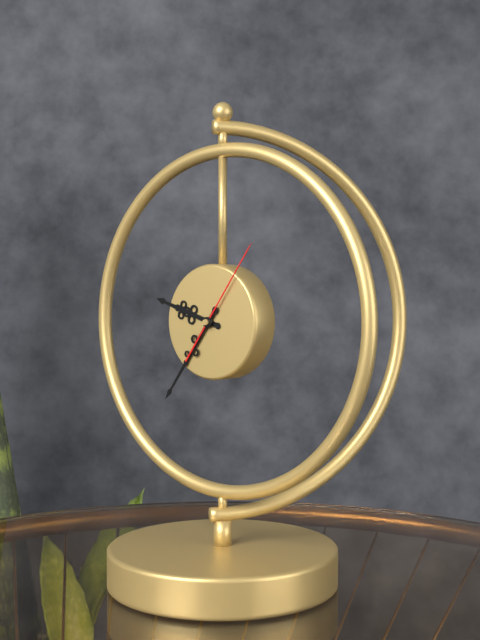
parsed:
9:36:06
